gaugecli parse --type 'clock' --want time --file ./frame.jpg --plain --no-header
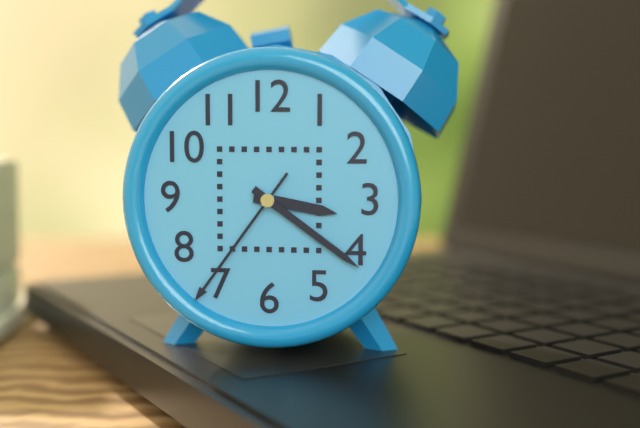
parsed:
3:21:36
